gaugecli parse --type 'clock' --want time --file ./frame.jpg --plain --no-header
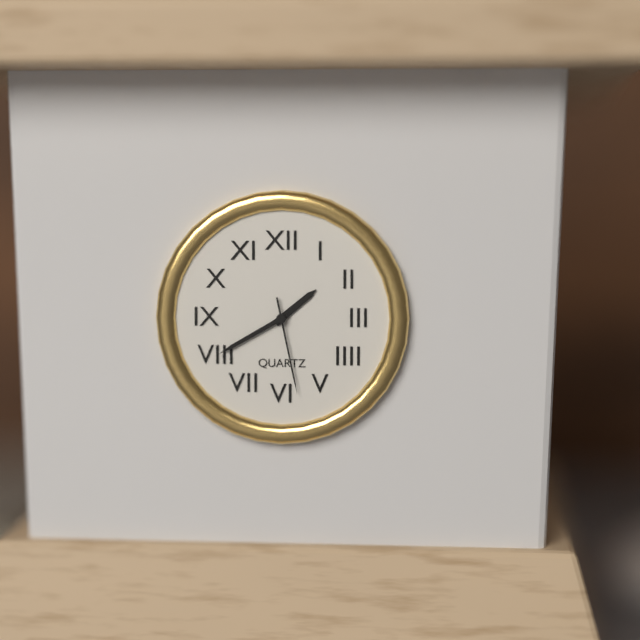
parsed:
1:40:28
